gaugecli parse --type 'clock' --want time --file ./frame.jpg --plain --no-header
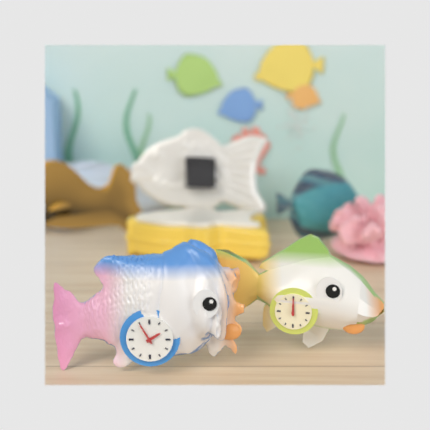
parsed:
1:55
